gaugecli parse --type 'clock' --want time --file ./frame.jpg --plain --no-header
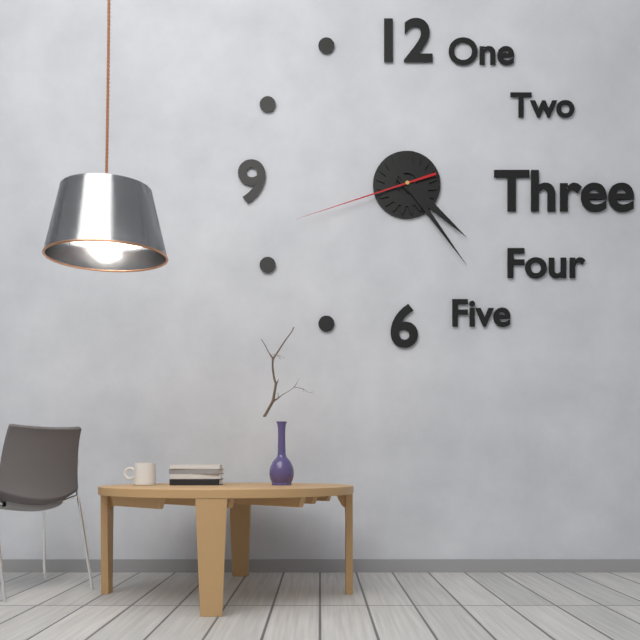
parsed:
4:24:42
